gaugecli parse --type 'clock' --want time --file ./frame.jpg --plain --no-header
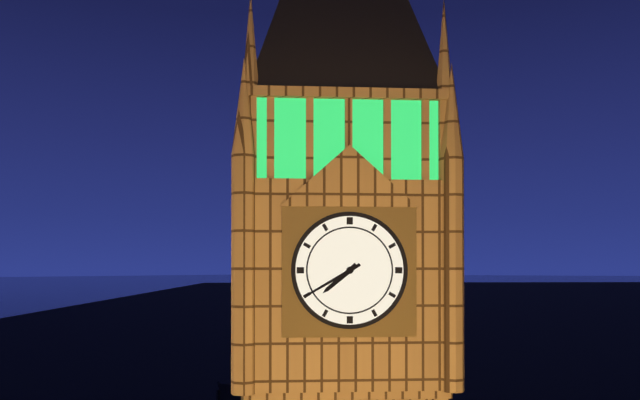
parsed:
7:40
